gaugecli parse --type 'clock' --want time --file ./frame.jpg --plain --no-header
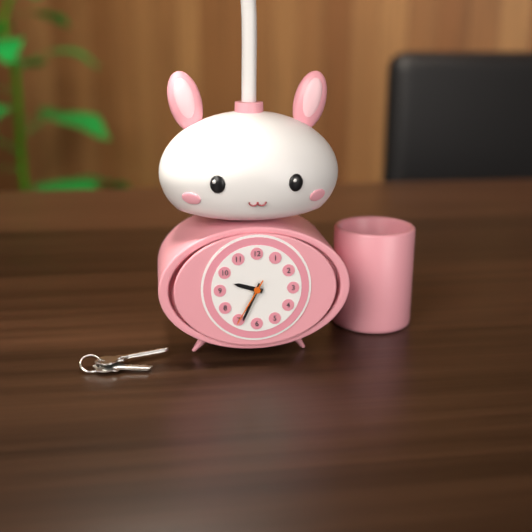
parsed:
9:34
